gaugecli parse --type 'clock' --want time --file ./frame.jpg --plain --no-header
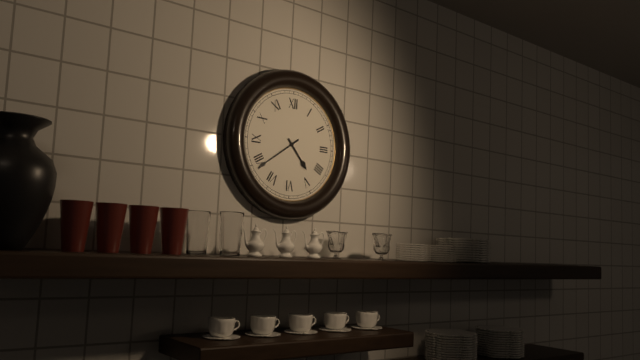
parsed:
4:39
